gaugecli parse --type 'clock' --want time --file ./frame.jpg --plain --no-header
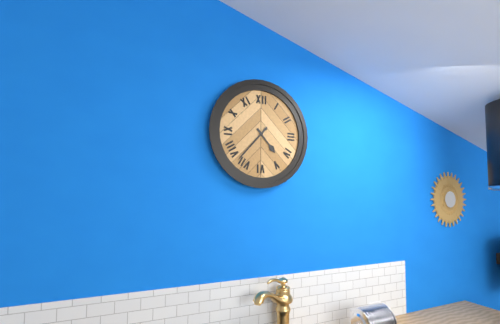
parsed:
4:37
